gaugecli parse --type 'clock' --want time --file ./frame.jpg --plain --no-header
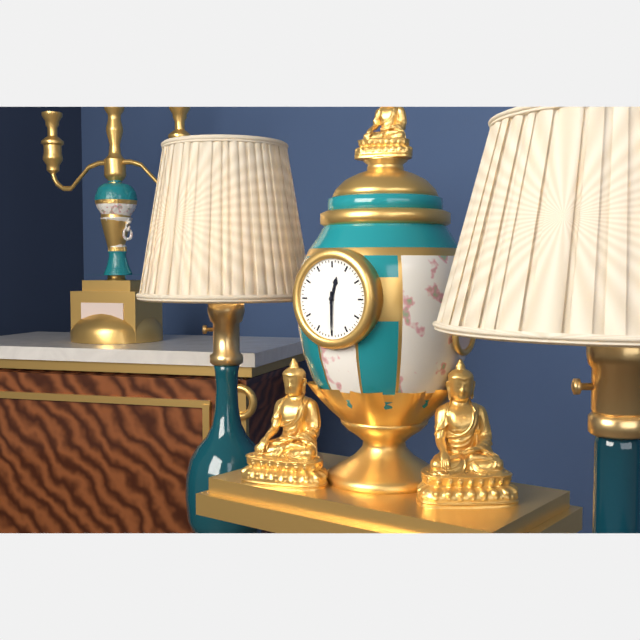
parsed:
12:30
